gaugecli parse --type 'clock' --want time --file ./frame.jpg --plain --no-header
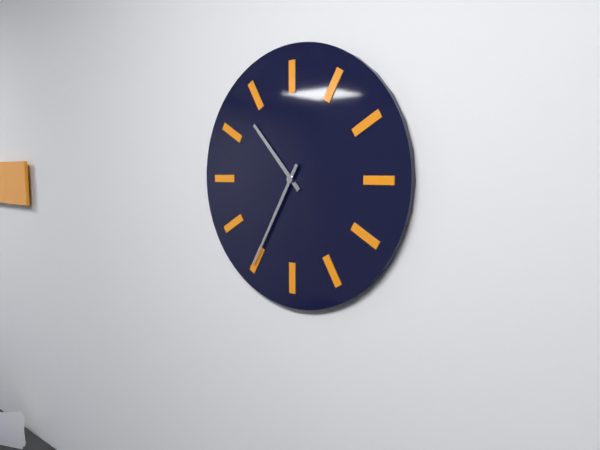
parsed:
10:35
